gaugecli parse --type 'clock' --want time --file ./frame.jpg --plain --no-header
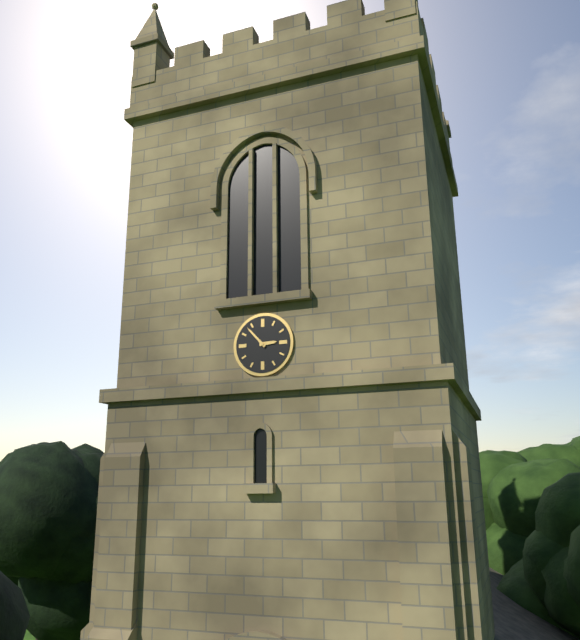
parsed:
2:53
